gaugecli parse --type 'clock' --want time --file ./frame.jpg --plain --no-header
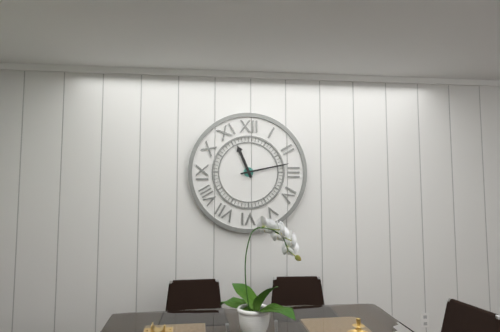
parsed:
11:13
